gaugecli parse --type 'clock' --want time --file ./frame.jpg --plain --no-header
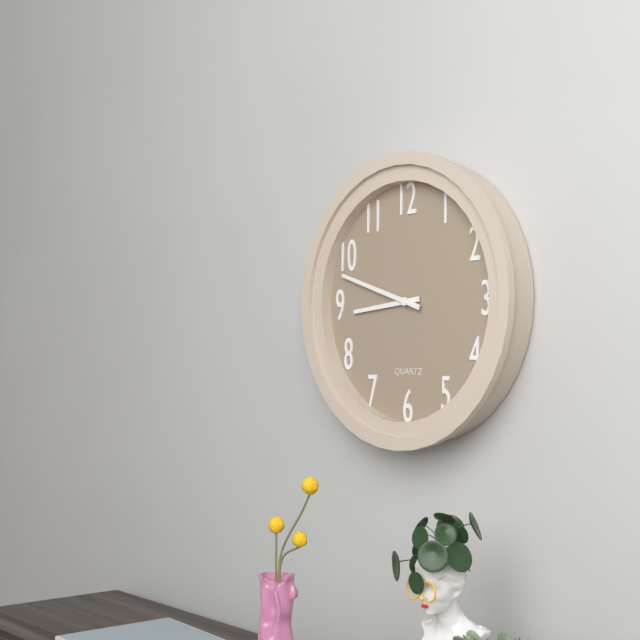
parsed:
8:48
